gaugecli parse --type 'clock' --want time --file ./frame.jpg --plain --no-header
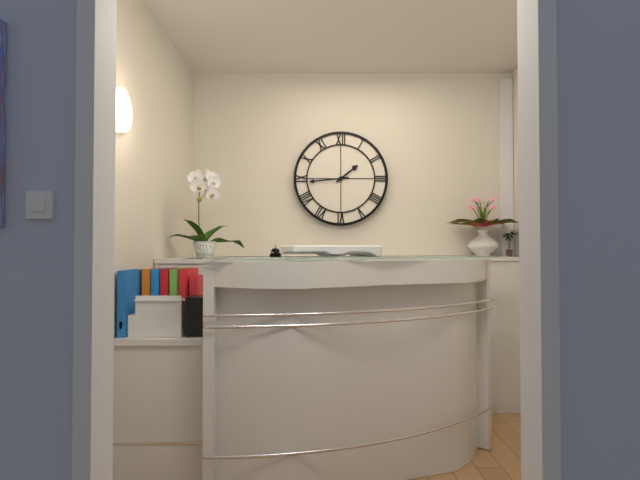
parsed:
1:44
